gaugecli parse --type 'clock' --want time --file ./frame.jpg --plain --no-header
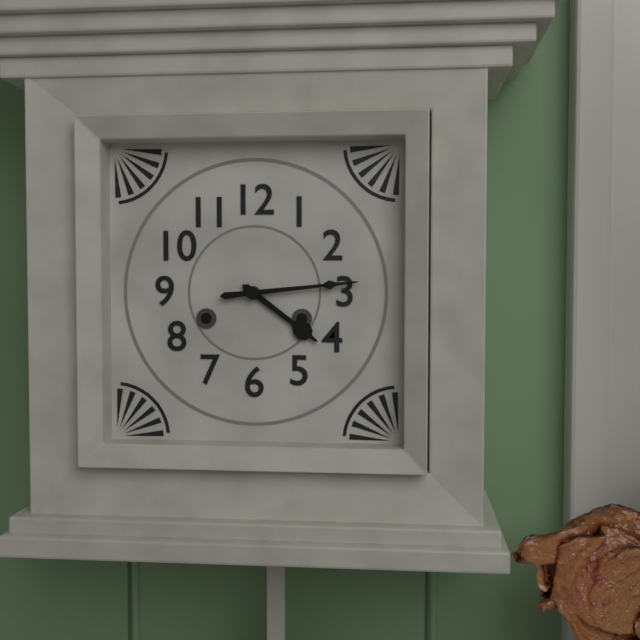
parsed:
4:14
